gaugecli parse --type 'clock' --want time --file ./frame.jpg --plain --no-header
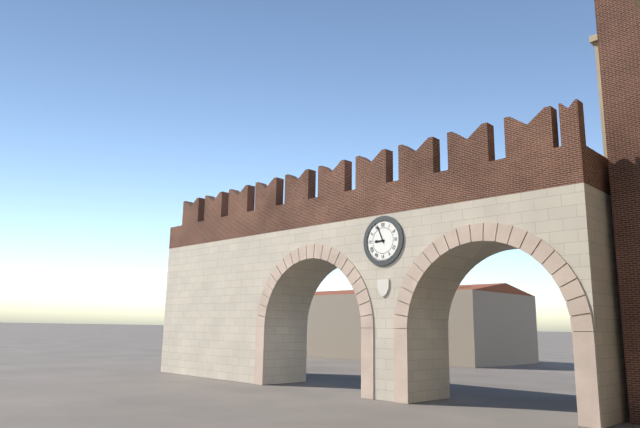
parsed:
8:56
